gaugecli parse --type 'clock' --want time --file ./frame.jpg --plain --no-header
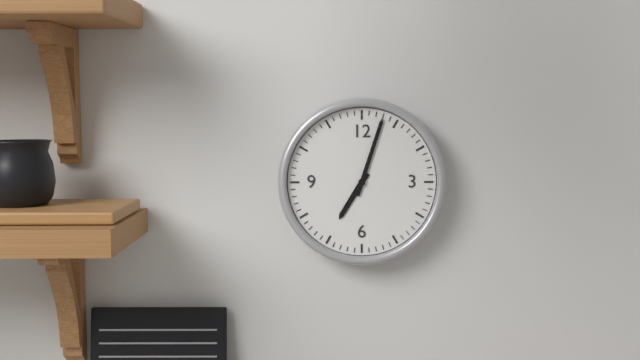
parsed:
7:03
